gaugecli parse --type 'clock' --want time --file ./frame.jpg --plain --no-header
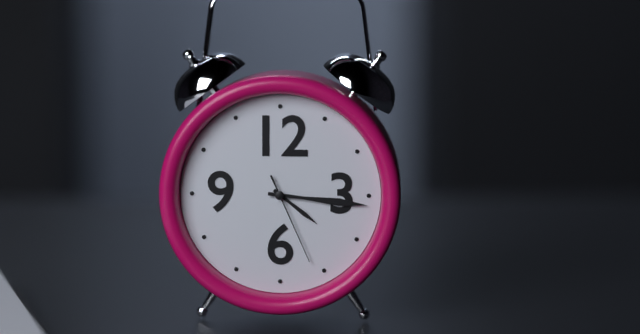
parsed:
4:16:26
